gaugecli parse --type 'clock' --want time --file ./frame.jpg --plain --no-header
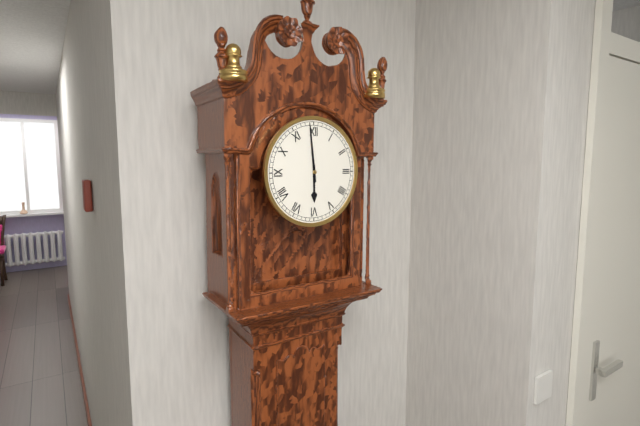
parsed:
5:59
